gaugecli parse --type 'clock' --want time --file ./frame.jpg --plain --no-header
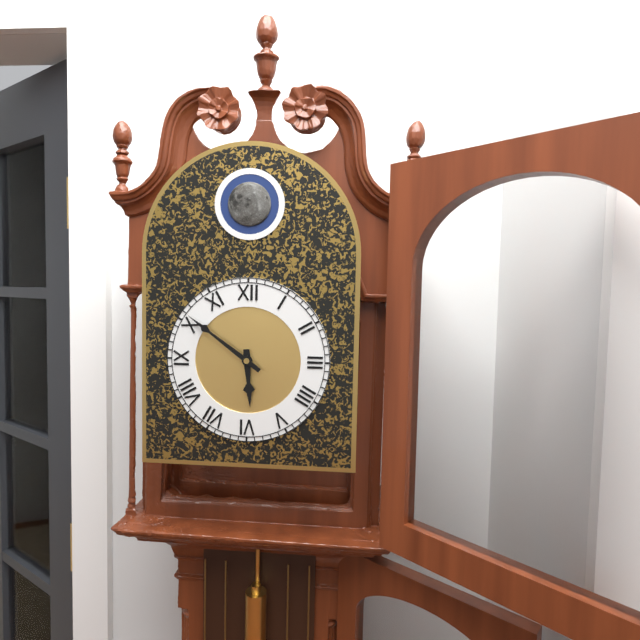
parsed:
5:51
